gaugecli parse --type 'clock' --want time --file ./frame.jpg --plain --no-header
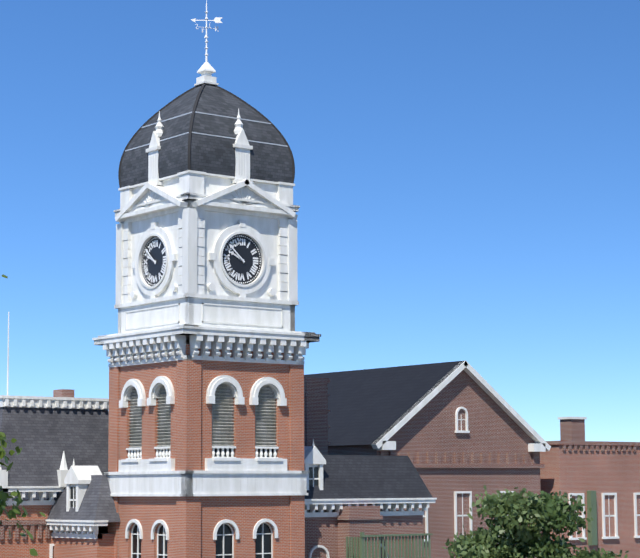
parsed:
9:52
